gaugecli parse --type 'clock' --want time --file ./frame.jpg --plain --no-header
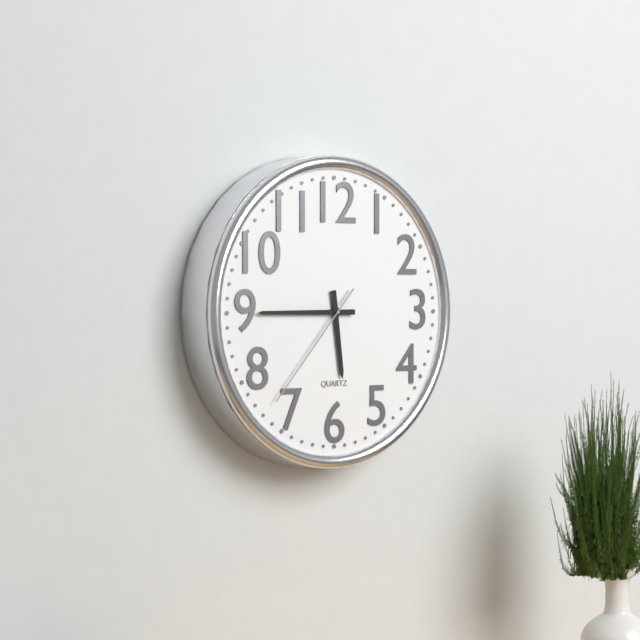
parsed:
5:45:37
